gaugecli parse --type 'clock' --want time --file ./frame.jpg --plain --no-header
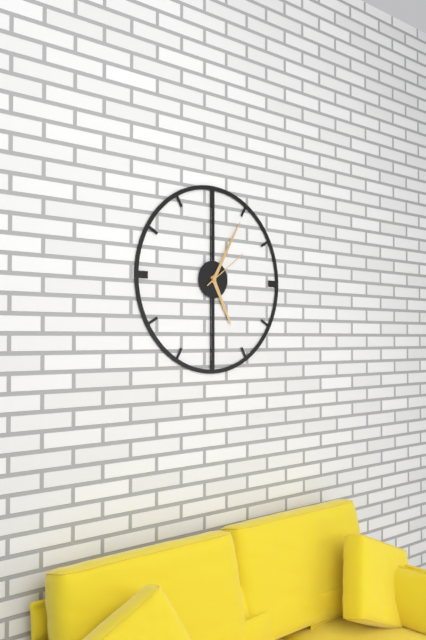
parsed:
5:05:09
